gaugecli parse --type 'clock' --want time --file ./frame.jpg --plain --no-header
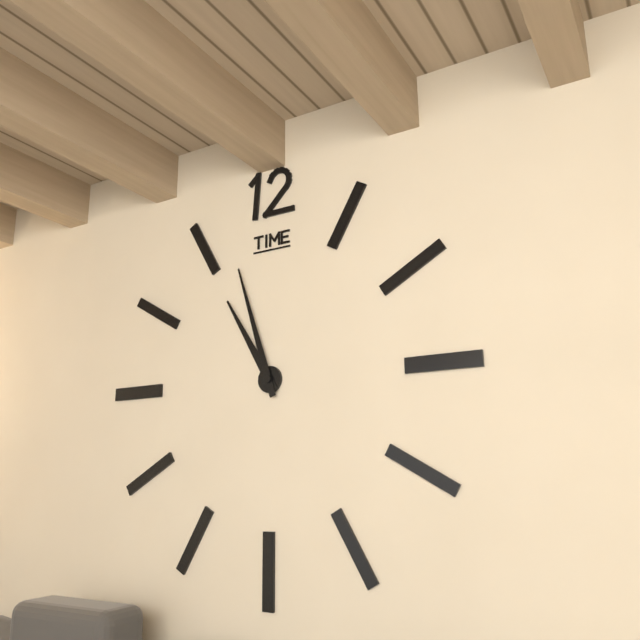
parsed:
10:57
